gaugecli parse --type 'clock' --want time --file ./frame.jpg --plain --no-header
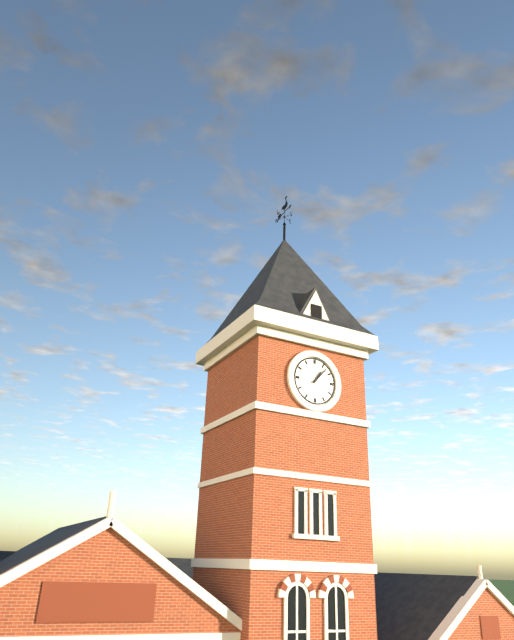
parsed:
1:07
